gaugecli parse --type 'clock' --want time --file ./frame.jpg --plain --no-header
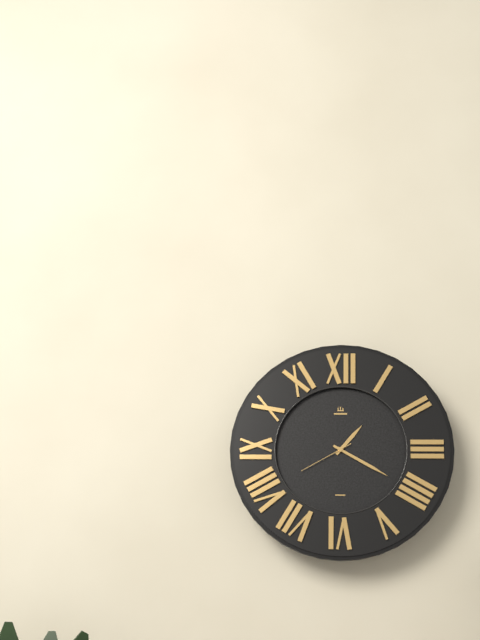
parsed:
1:20:40
